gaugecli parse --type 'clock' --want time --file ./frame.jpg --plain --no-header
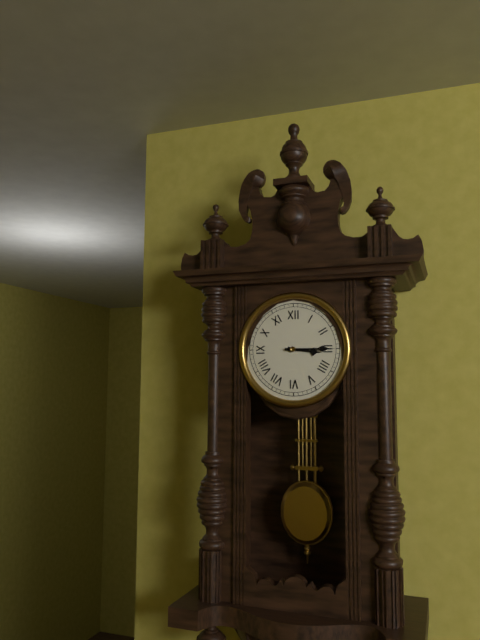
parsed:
3:15
